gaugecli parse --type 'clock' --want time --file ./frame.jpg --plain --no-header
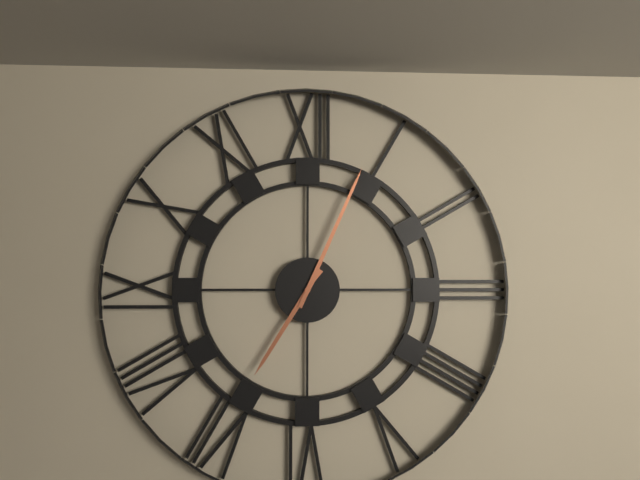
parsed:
7:04
